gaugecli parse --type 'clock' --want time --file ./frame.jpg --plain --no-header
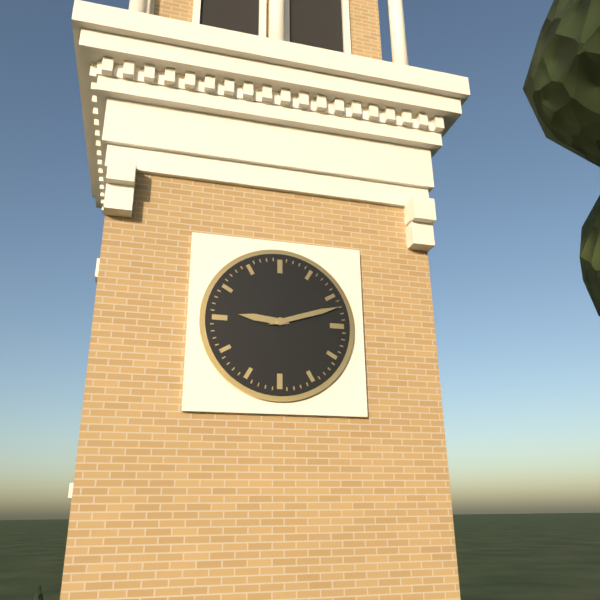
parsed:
9:12
